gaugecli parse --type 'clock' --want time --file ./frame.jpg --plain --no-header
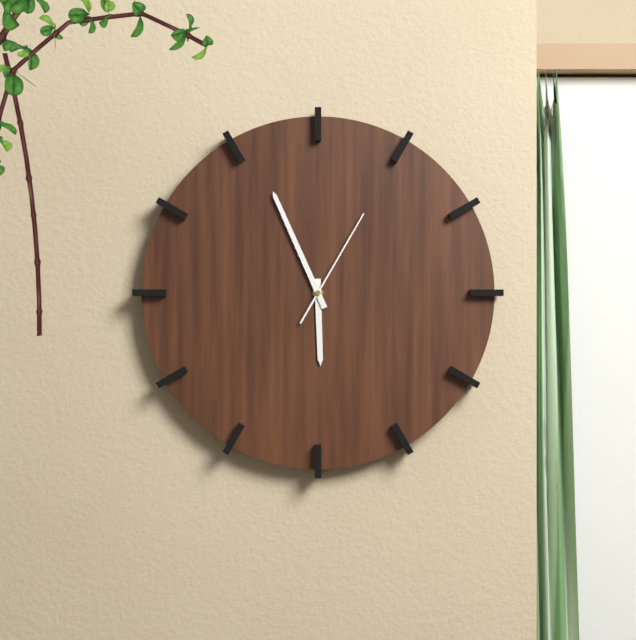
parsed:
5:56:05
